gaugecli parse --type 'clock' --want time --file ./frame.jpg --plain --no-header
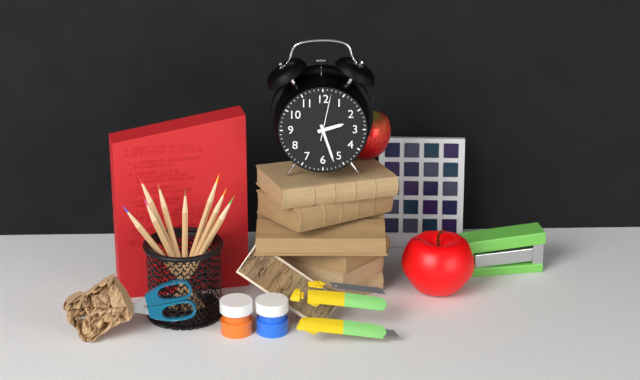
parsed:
2:27
